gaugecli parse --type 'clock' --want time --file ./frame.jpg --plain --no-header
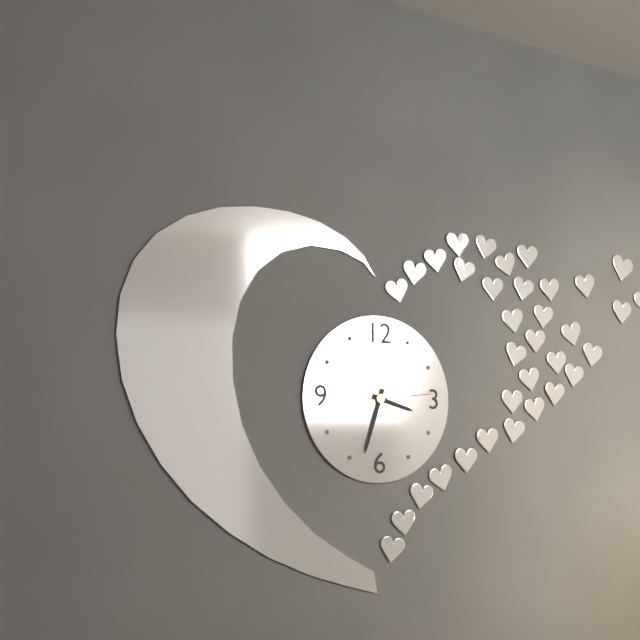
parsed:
3:33:14
